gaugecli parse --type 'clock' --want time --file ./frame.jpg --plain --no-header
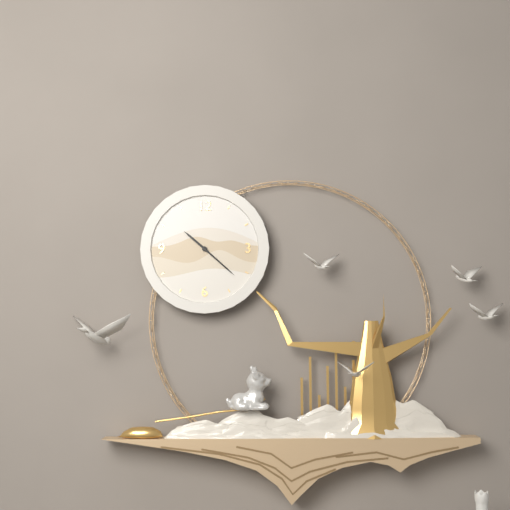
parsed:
10:22
